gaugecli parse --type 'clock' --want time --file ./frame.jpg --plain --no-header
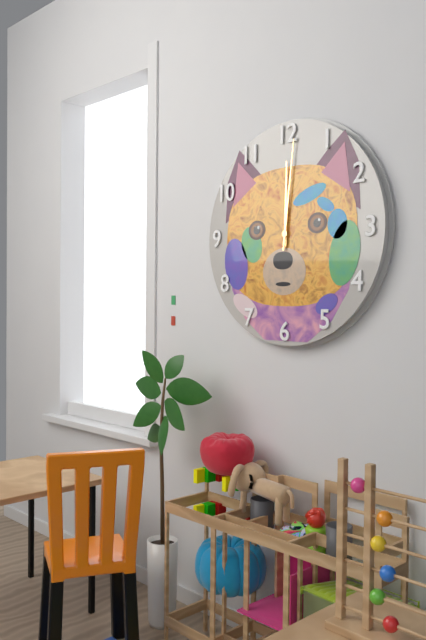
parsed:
12:01
